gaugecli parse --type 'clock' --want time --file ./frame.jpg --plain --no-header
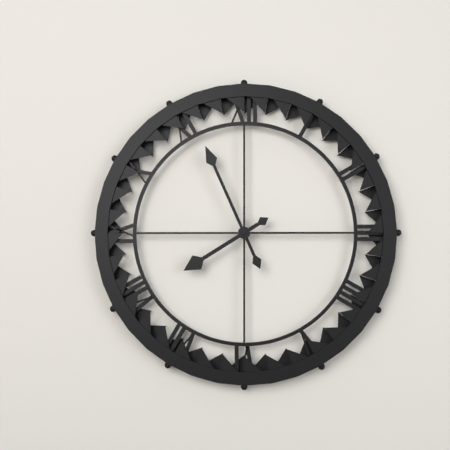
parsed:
7:56
